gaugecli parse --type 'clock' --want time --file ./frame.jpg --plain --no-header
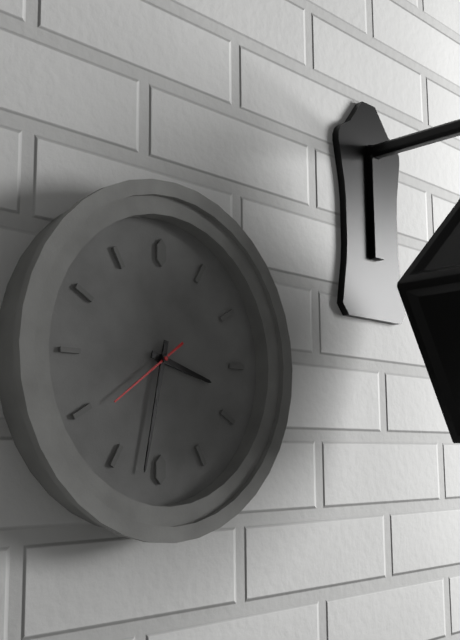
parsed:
3:32:39
